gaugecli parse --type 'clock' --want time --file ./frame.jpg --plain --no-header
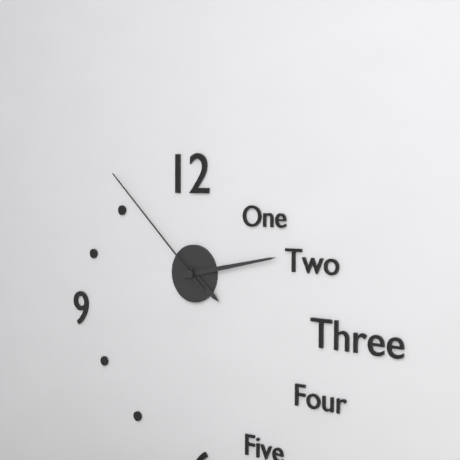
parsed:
4:13:52
